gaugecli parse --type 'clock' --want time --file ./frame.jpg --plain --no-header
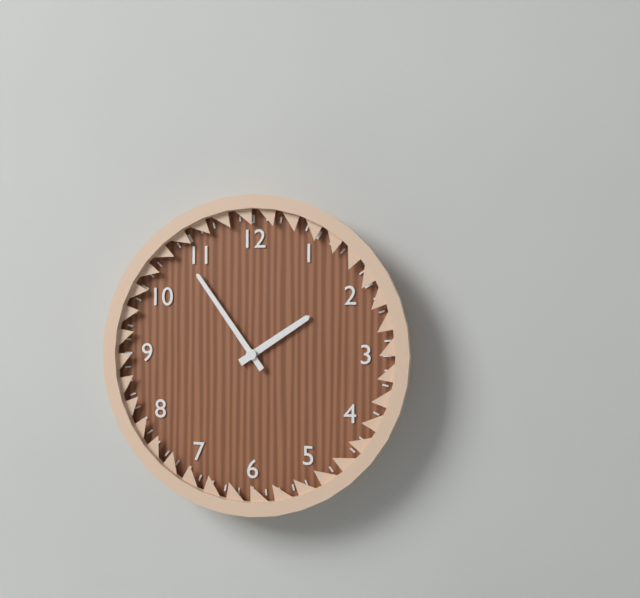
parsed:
1:54
